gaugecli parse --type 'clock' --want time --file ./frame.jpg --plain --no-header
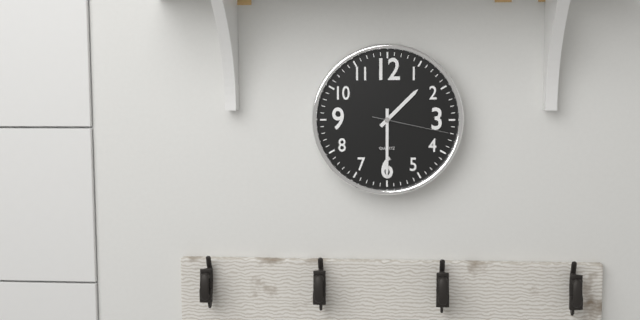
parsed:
1:30:17
